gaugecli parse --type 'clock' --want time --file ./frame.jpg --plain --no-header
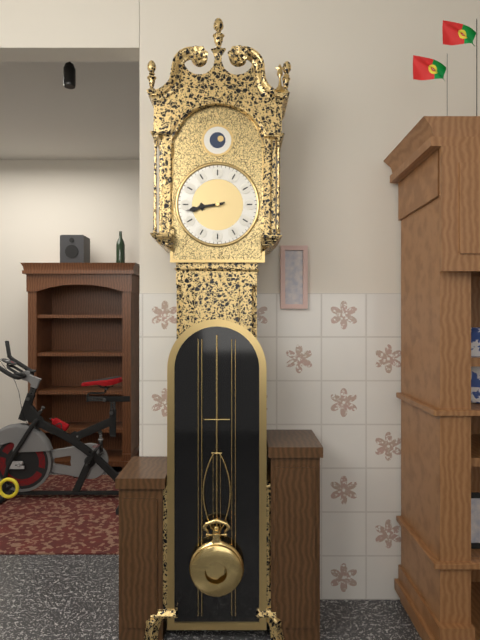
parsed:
8:43
